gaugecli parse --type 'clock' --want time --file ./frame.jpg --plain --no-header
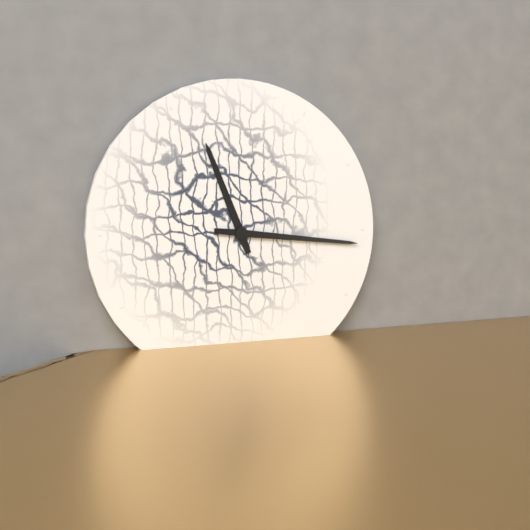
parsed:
11:16
